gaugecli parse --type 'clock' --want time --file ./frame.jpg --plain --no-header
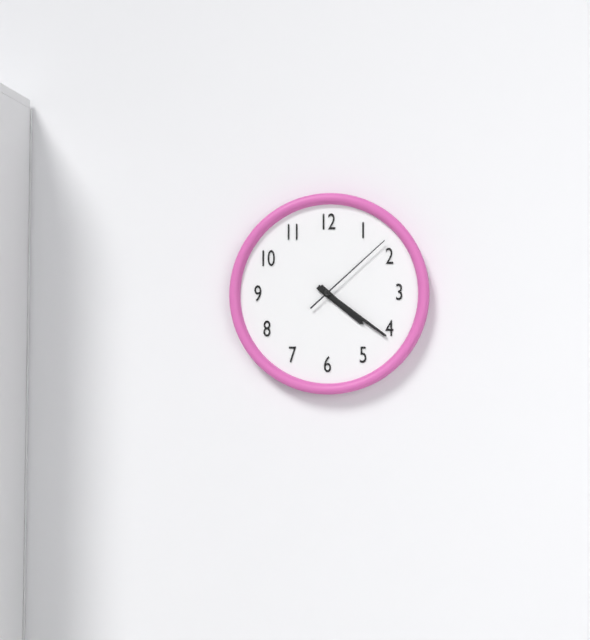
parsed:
4:21:08
